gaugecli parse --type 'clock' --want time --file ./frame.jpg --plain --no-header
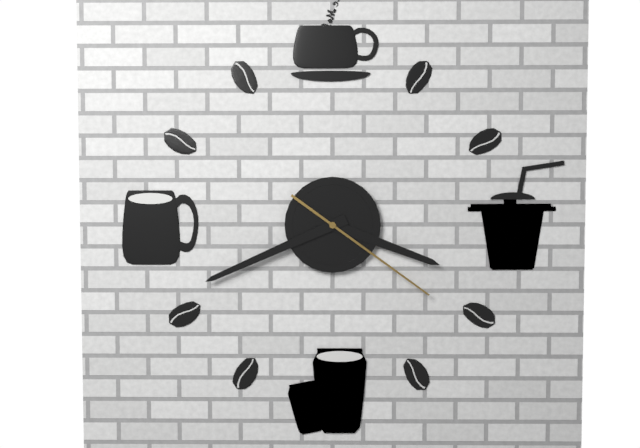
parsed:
3:41:21
